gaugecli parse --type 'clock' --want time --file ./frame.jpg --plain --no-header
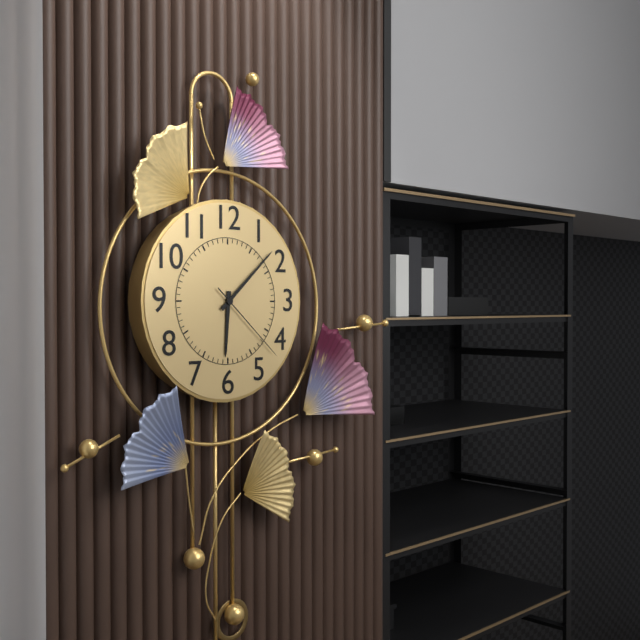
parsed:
6:08:22
